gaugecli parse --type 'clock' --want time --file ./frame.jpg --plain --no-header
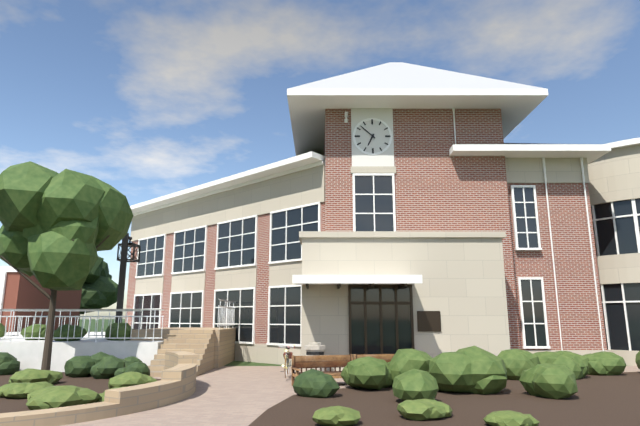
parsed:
6:52
